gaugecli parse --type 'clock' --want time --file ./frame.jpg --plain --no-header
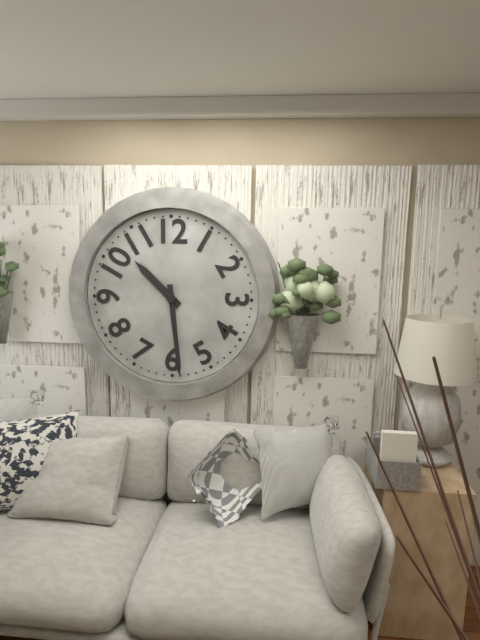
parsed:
10:29
